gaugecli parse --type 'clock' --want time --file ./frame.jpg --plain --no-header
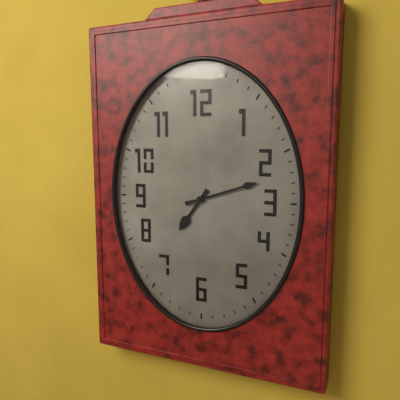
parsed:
7:12
